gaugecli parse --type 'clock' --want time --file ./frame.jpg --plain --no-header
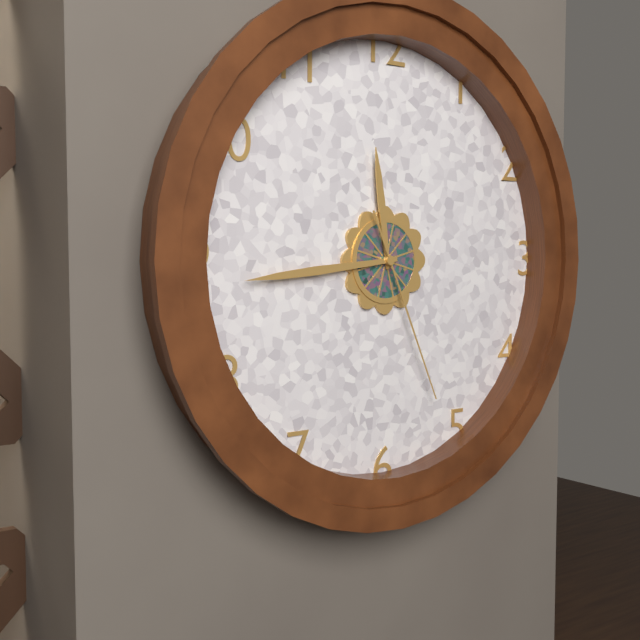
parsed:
11:44:26
